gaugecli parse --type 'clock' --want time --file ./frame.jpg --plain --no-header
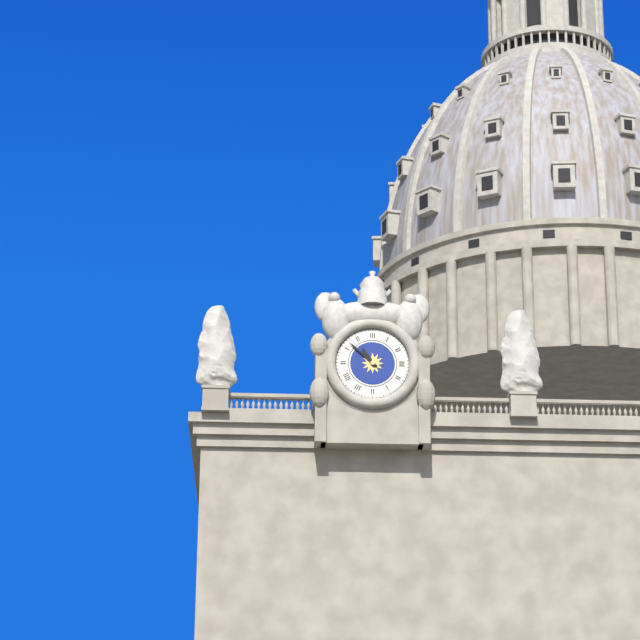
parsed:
10:52
